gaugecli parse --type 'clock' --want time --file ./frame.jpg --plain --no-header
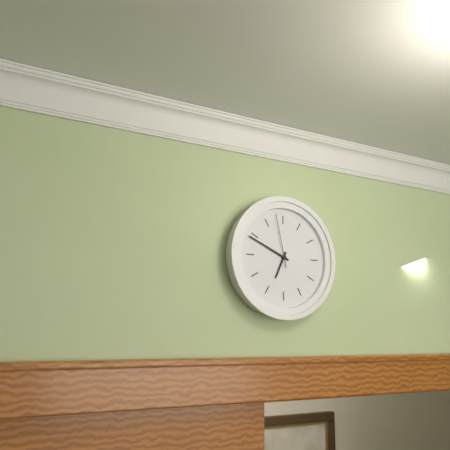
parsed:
6:49:58
